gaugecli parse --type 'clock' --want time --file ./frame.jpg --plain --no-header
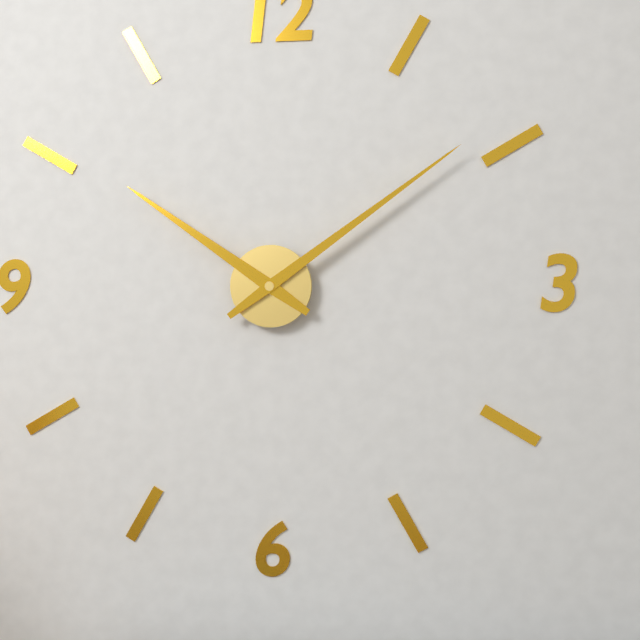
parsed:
10:09
